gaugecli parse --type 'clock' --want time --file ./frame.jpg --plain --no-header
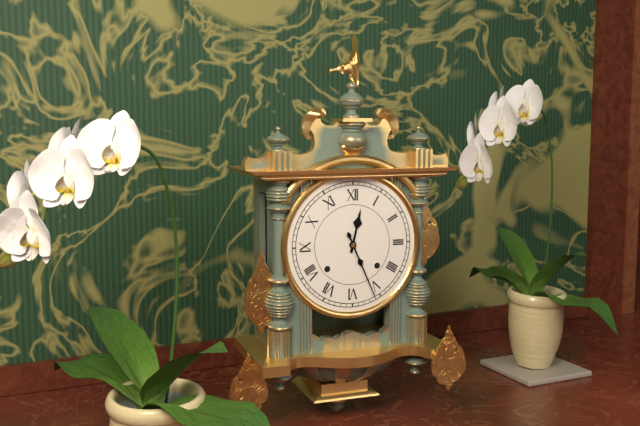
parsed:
12:26
